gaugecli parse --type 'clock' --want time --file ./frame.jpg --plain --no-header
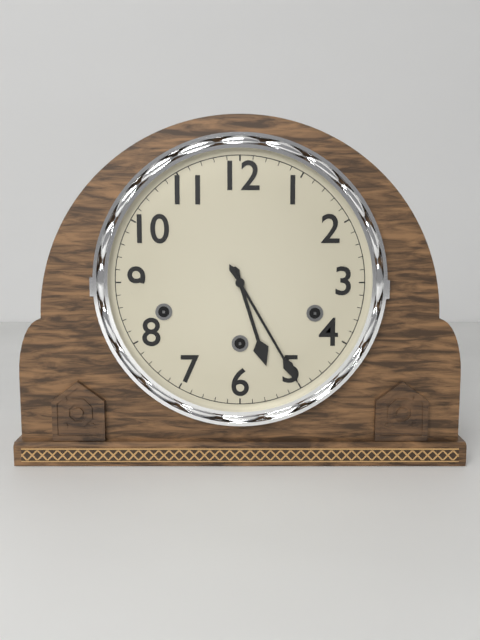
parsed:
5:25
